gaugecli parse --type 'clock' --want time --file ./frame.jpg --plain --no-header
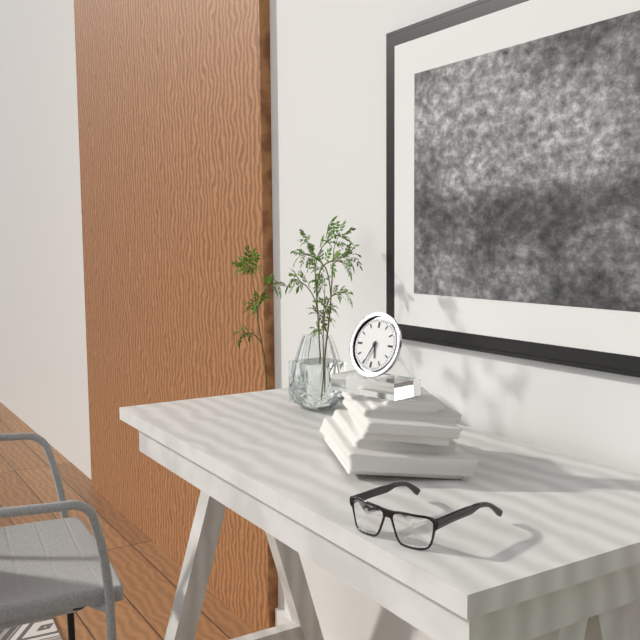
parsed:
5:34
